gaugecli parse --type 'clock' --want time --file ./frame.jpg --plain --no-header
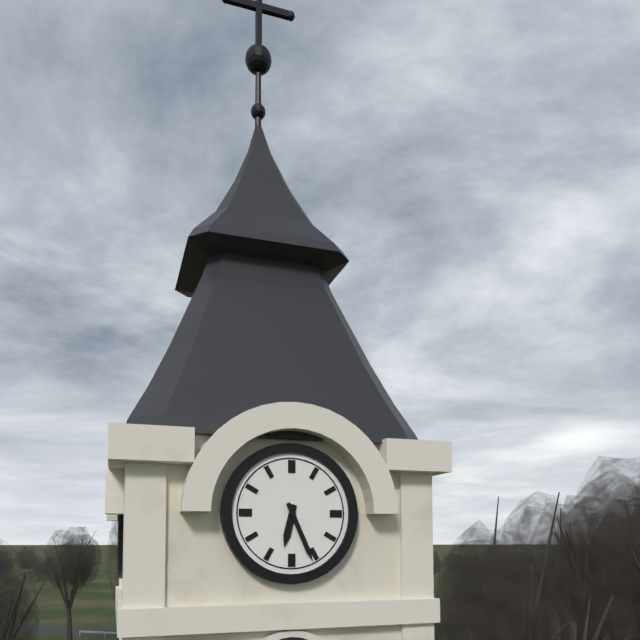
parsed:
6:26
